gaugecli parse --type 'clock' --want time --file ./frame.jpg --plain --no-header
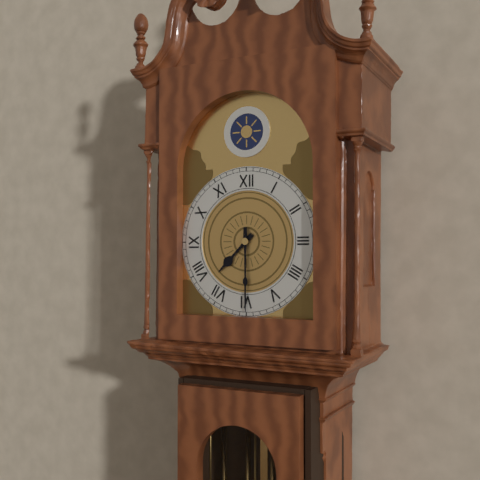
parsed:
7:30
